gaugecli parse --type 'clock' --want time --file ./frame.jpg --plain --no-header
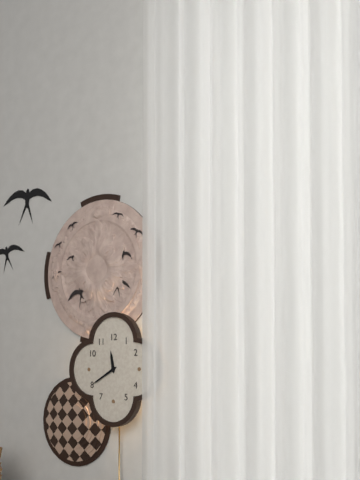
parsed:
11:40
